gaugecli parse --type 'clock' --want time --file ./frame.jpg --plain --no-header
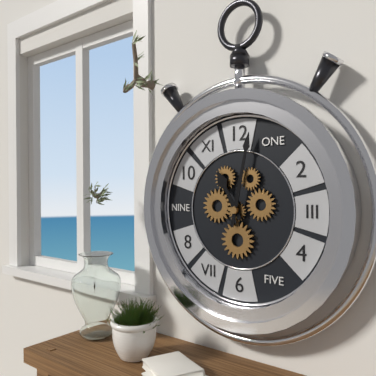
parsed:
11:02
